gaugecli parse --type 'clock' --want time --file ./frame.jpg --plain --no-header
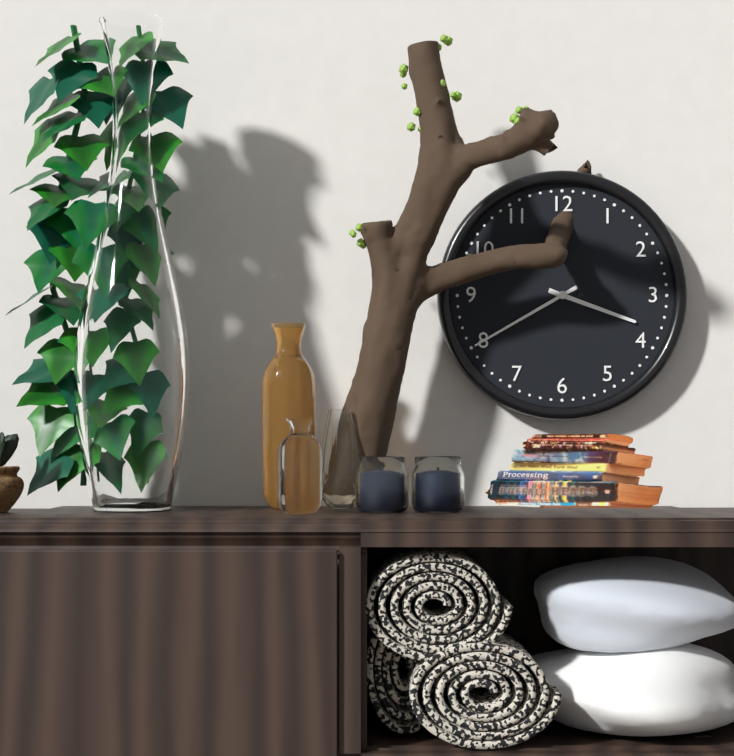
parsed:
3:40
